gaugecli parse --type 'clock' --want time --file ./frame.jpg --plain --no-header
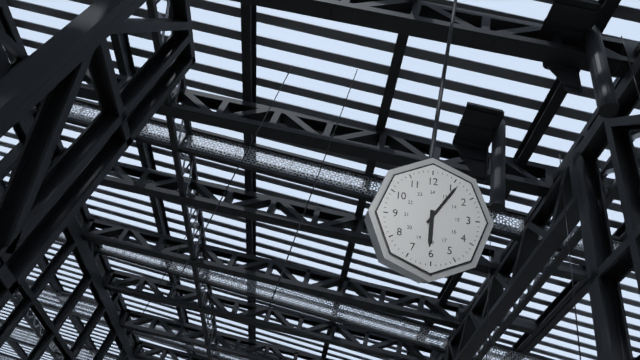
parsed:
6:06
